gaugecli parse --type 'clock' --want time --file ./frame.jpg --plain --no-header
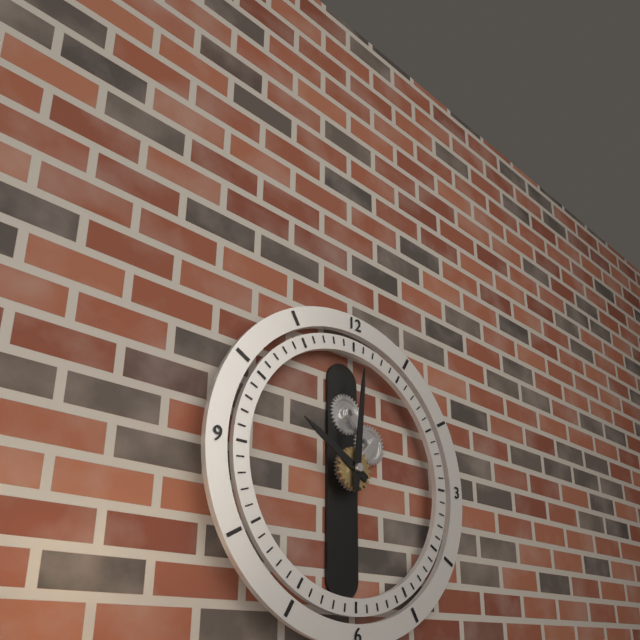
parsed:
10:01
